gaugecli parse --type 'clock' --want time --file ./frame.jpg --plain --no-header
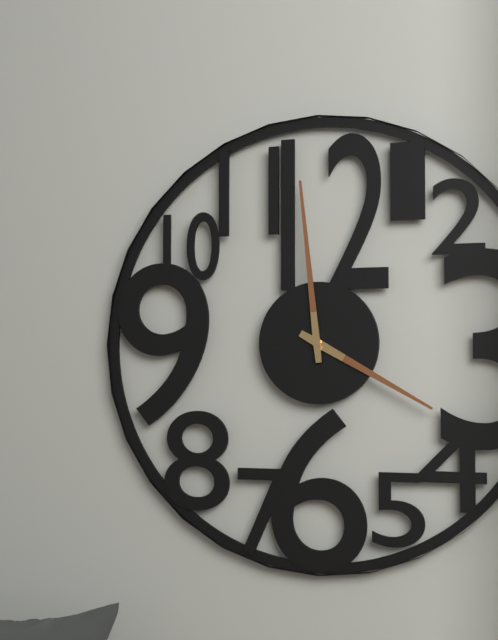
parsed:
3:59
